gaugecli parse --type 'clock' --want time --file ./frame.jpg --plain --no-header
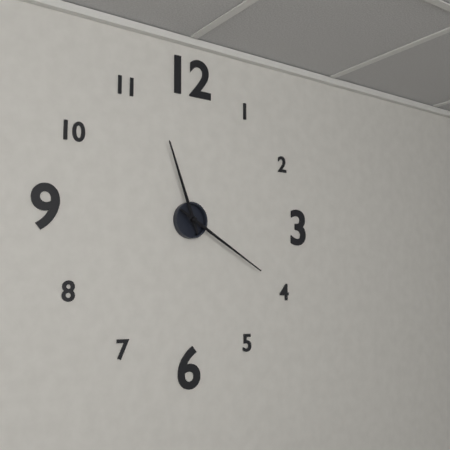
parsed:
11:20
